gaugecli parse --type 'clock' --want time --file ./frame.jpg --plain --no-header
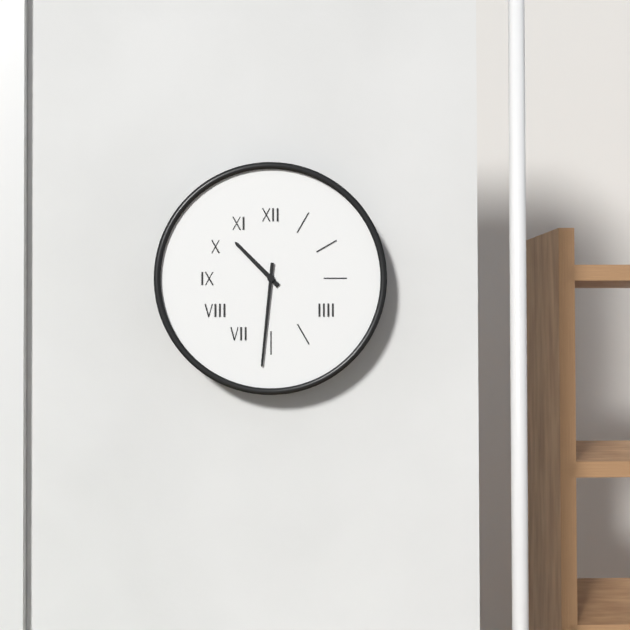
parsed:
10:31
